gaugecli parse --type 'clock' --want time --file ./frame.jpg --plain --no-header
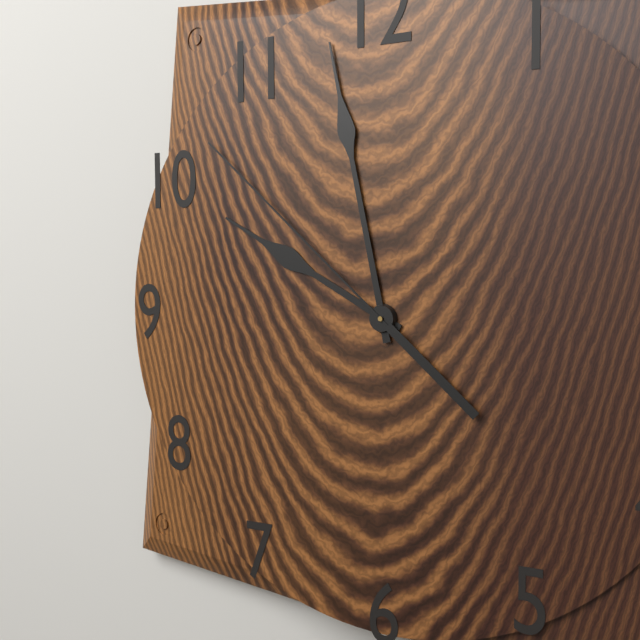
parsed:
9:58:52
